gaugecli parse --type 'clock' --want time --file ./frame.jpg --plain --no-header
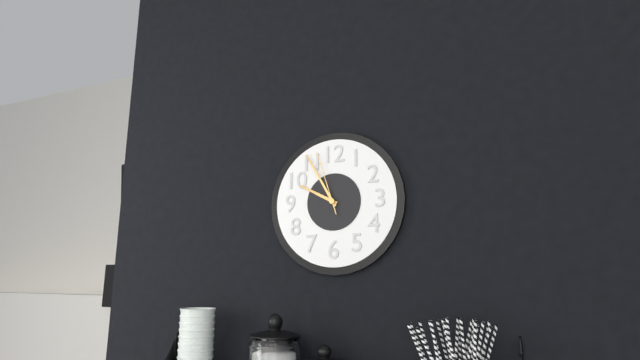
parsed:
9:55:57
